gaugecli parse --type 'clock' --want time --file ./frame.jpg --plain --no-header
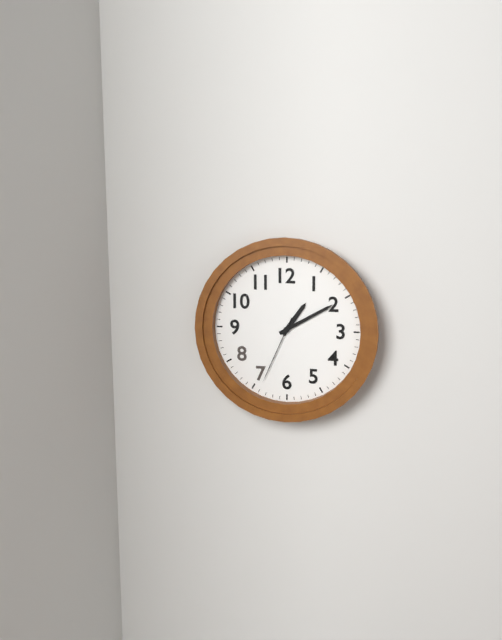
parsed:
1:10:34
